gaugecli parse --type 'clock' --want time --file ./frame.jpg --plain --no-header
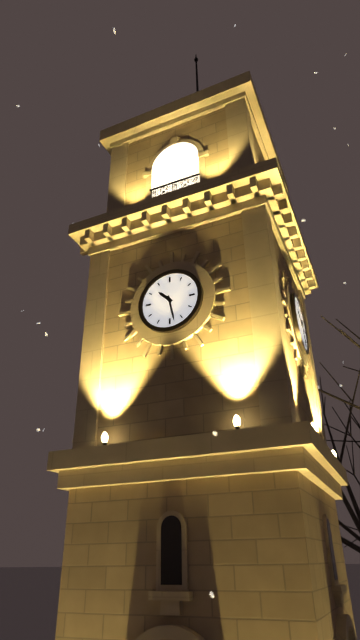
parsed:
10:28
